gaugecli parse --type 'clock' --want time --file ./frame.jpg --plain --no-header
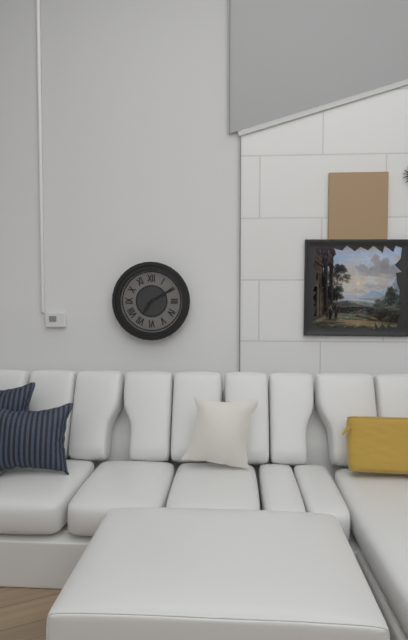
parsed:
7:10
